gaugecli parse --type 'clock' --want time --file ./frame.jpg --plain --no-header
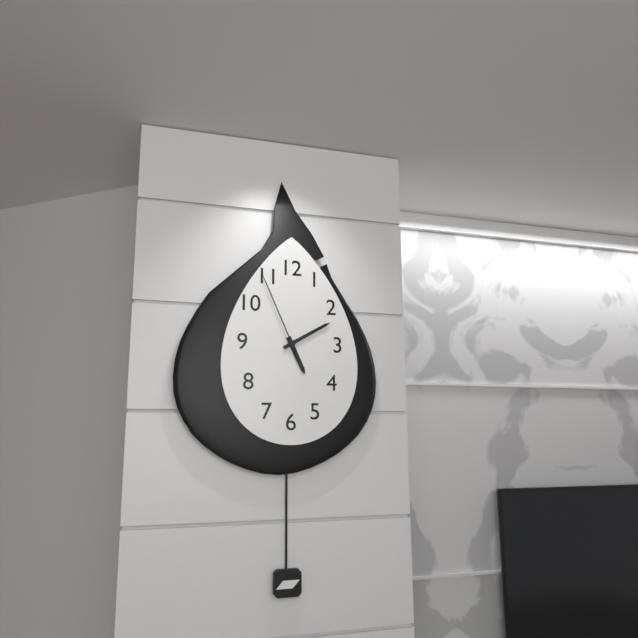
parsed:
5:10:56
